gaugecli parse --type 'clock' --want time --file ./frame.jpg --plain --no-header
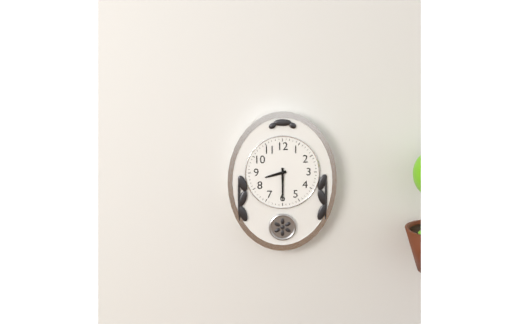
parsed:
8:30
